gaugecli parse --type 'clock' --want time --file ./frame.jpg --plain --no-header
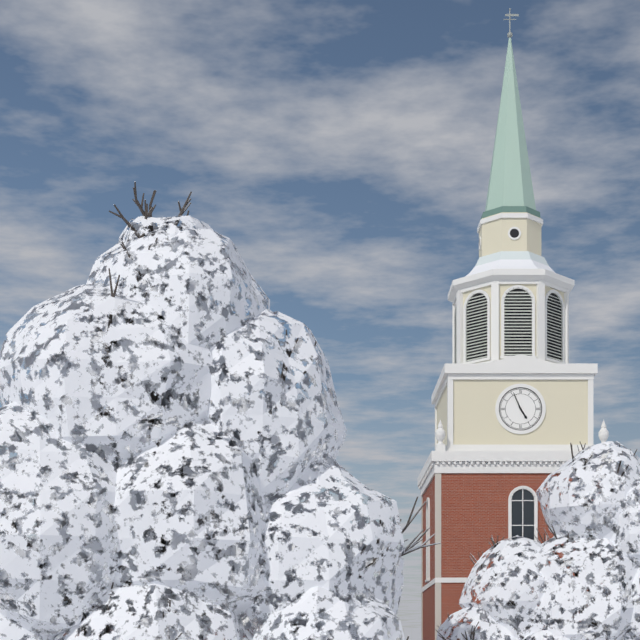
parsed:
4:56
